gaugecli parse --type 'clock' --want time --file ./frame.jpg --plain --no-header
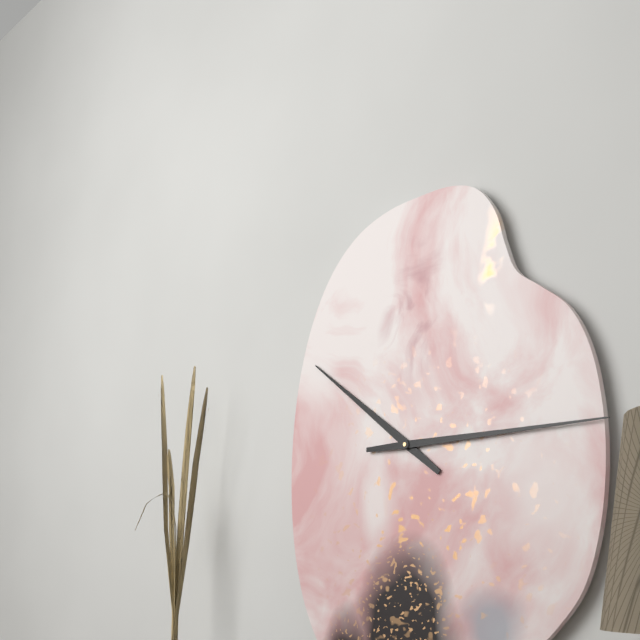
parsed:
10:15
